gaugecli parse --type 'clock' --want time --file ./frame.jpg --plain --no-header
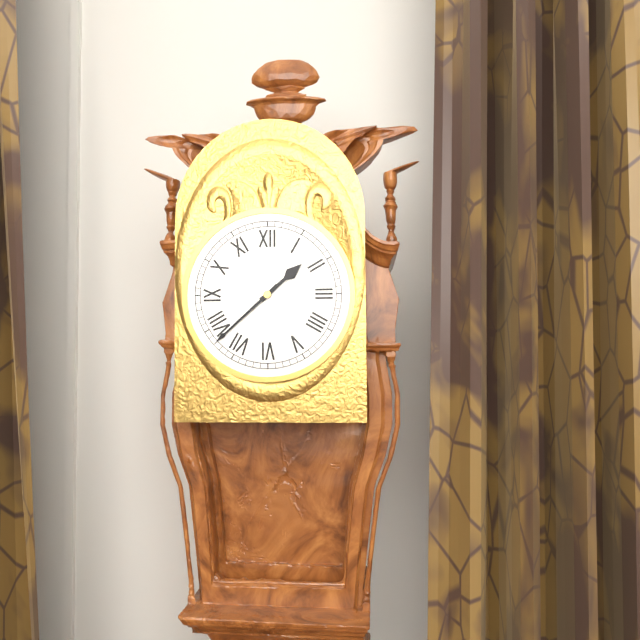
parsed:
1:38
